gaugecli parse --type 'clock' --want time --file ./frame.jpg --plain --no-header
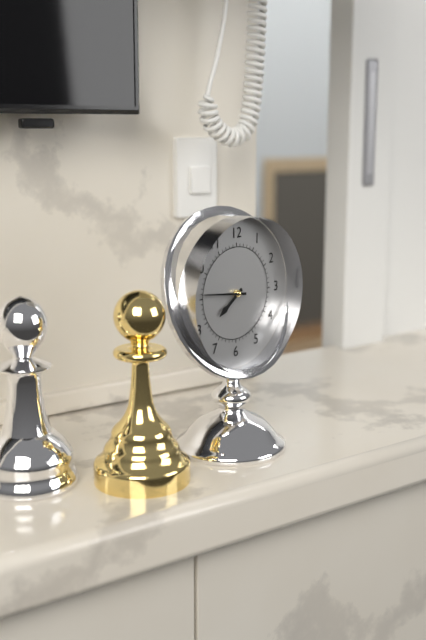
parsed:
7:46
